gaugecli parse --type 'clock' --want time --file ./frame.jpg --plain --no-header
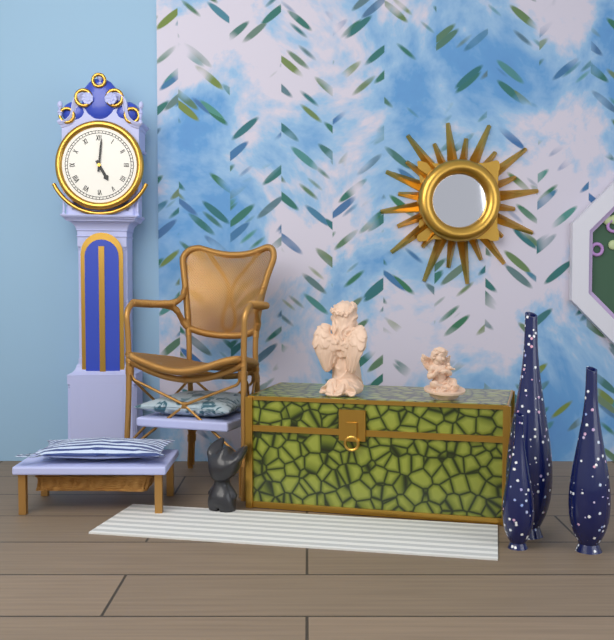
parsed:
5:01
